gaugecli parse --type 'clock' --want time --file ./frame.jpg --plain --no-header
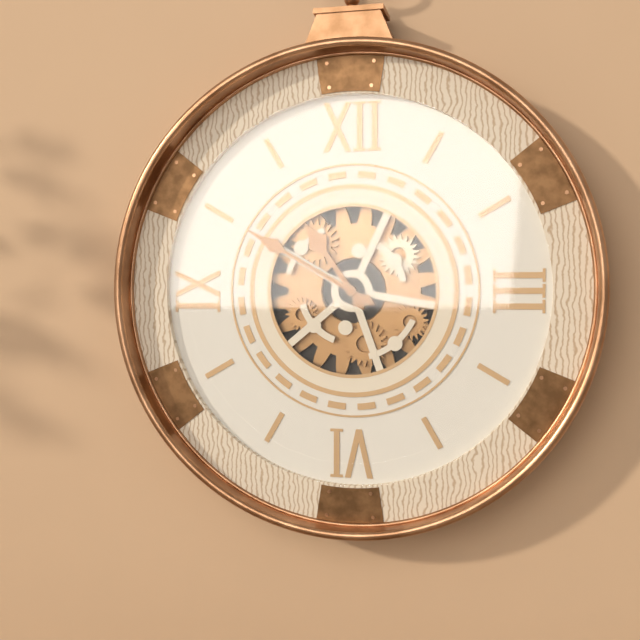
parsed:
10:50
